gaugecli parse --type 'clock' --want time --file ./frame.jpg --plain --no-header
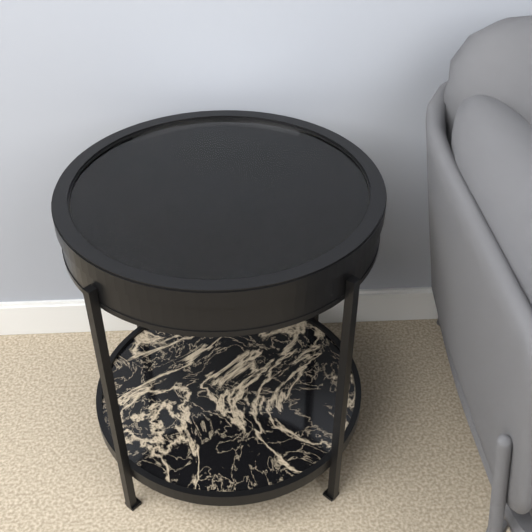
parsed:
4:17
